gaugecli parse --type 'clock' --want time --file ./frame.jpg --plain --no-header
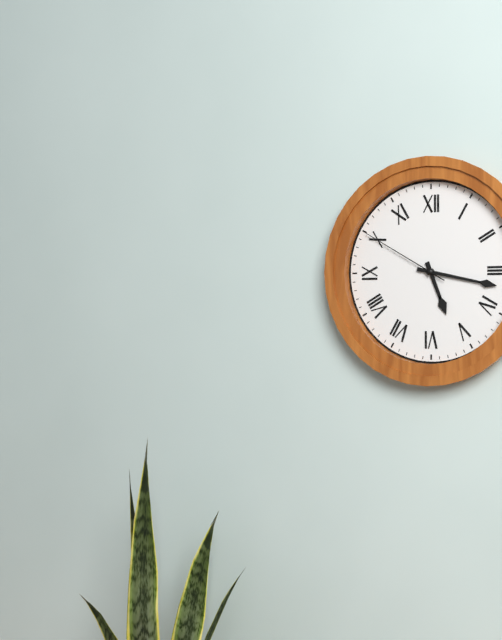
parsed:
5:17:50
